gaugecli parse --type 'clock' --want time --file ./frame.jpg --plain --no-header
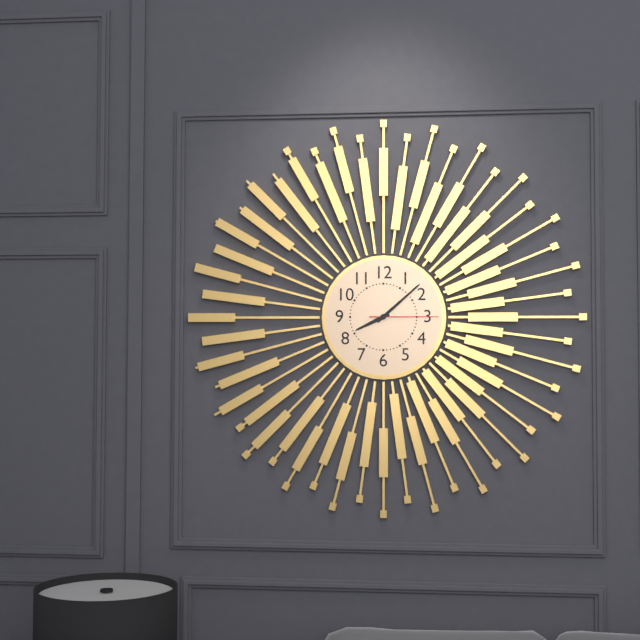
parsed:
8:08:15
